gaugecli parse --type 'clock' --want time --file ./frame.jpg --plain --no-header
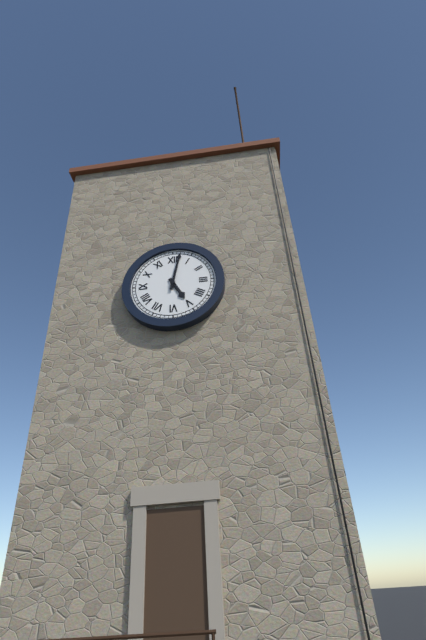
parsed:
5:02
